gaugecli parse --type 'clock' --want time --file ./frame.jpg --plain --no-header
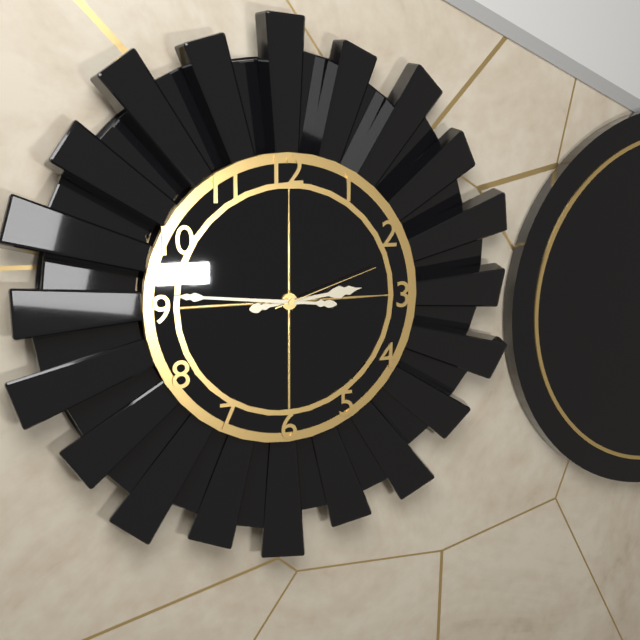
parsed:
2:46:12
